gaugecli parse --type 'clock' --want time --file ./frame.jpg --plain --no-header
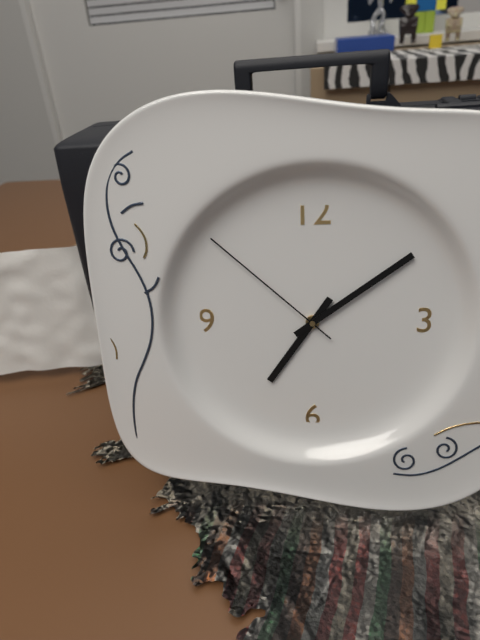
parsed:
7:09:52
